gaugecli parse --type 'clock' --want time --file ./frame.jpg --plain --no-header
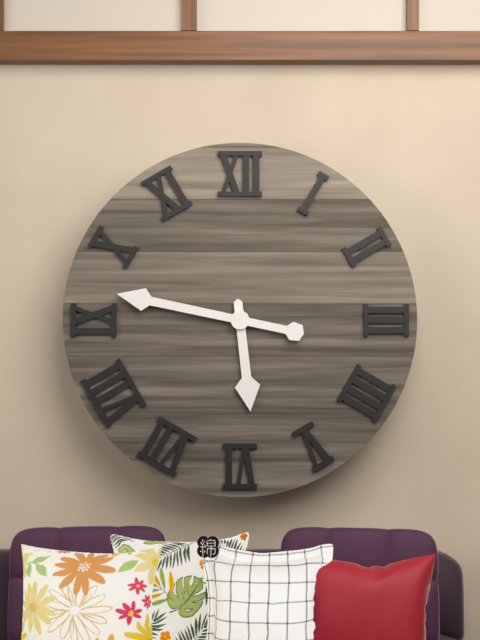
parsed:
5:47
